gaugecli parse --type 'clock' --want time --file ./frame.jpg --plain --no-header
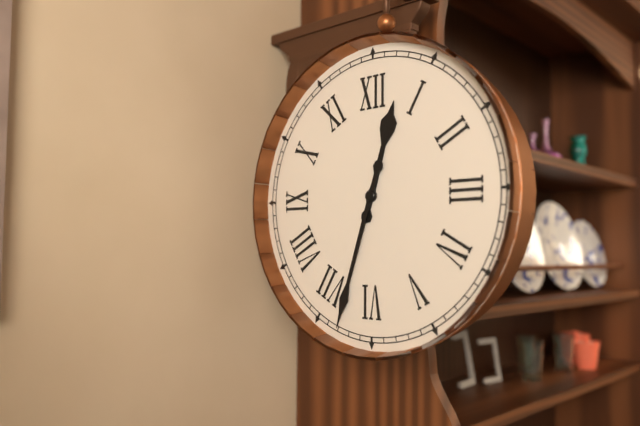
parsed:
12:33
